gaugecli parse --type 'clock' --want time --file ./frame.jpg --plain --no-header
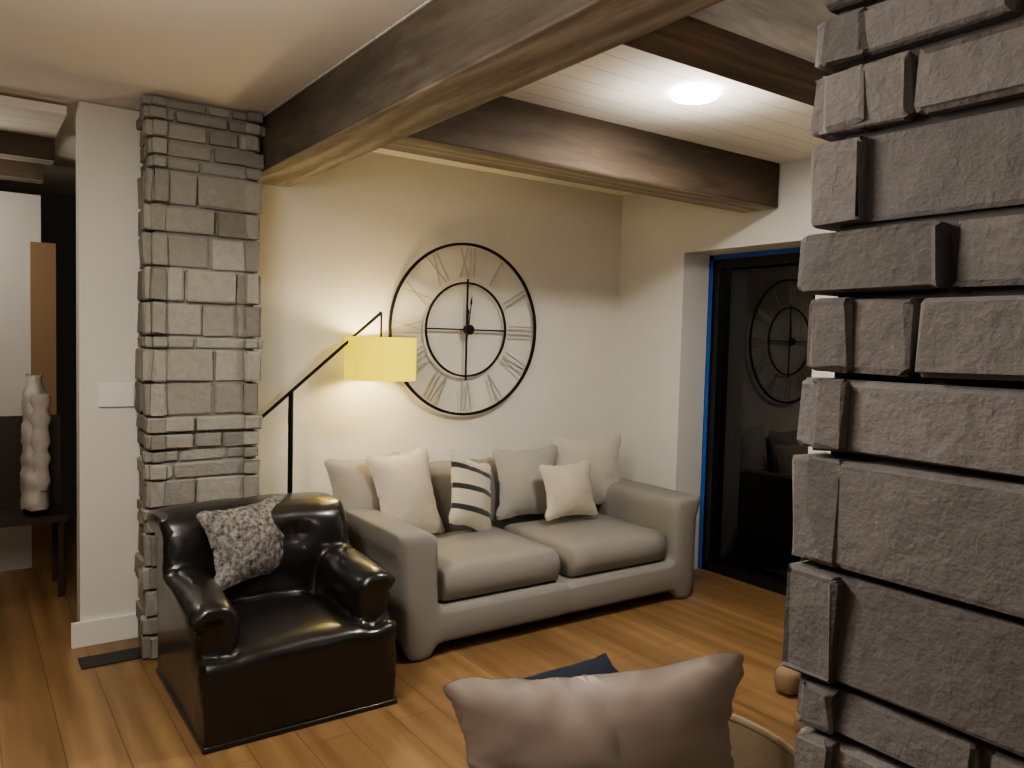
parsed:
12:01
